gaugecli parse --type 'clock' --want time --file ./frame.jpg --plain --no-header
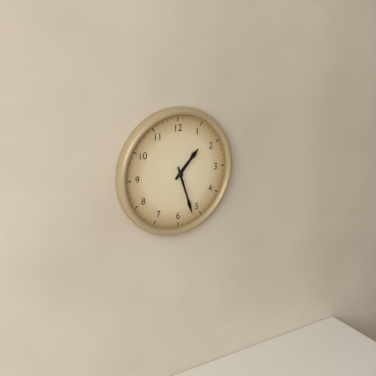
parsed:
1:27
